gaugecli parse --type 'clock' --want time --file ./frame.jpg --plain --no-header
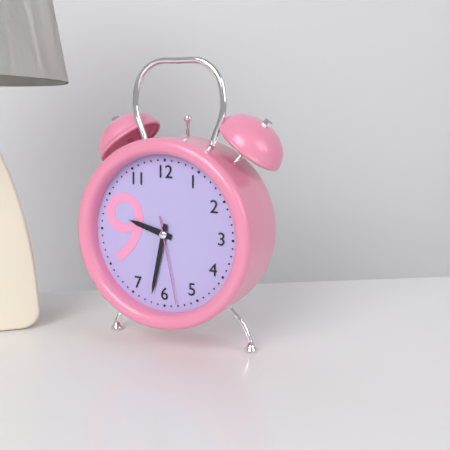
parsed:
9:32:28
